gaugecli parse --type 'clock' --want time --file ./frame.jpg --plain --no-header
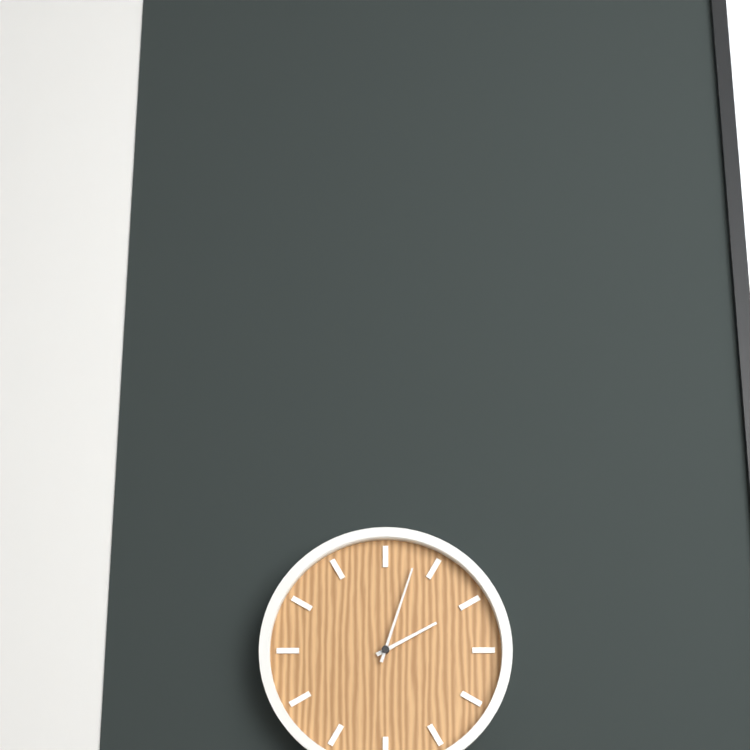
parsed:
2:03
